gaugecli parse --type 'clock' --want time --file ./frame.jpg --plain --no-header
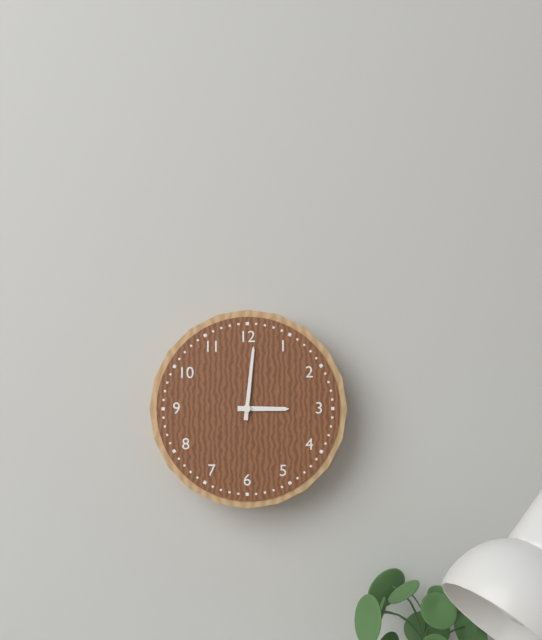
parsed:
3:01
